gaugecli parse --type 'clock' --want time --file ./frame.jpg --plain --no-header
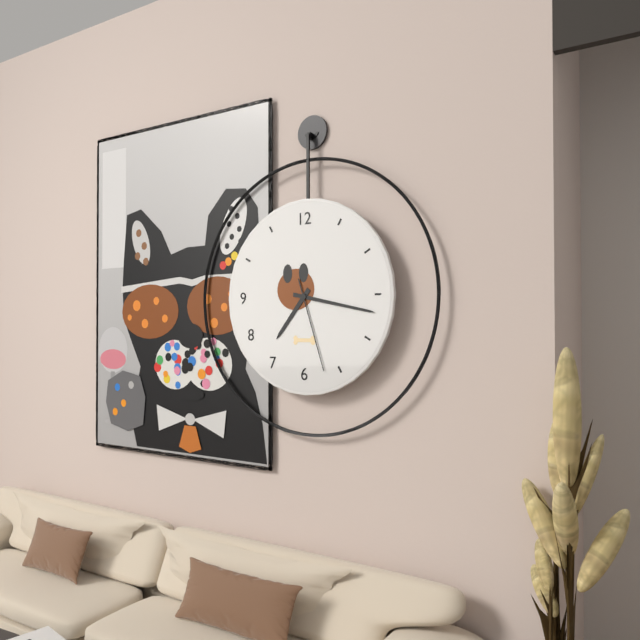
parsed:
7:17:27
